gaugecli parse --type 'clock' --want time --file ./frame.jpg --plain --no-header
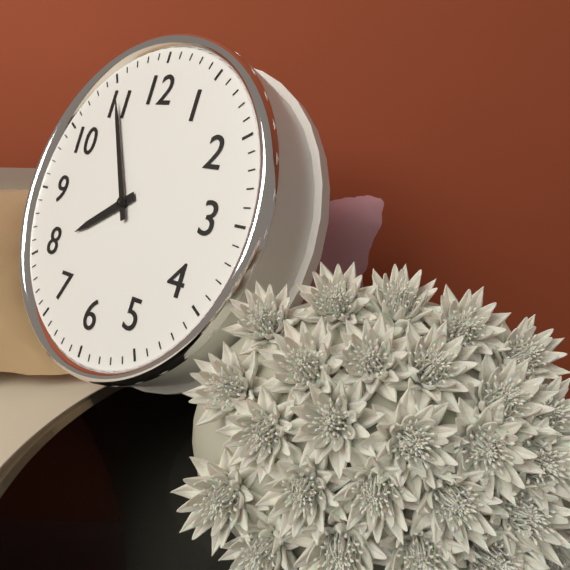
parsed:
7:55
